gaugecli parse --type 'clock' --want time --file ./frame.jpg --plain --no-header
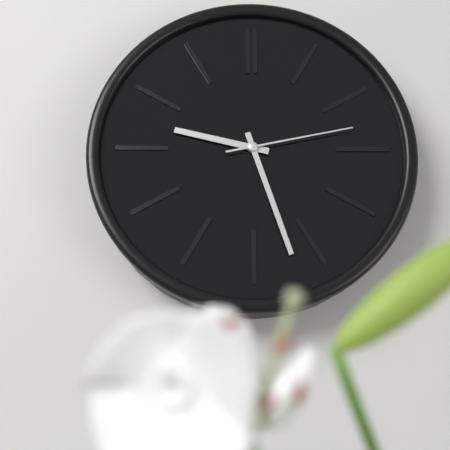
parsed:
9:27:13
